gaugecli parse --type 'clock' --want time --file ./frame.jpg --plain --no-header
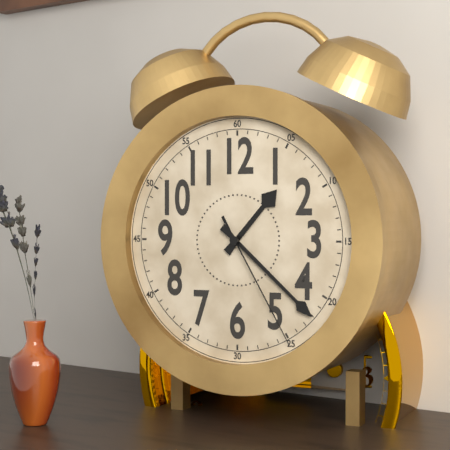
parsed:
1:22:25
